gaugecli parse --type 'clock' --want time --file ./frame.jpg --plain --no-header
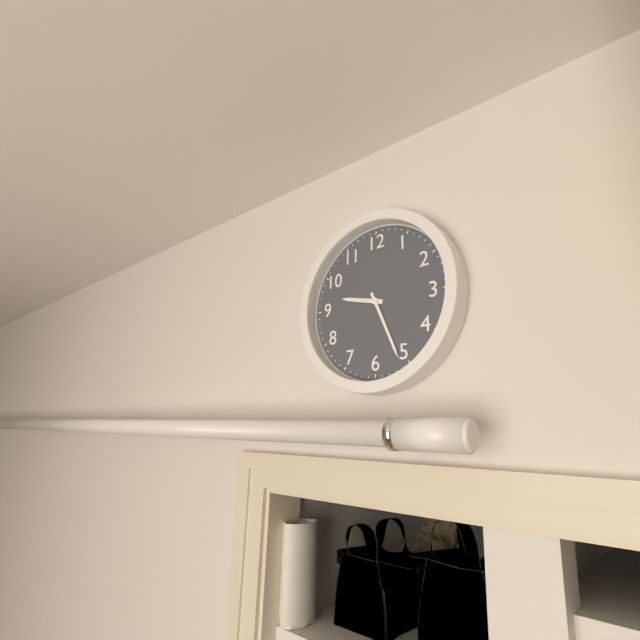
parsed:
9:26
